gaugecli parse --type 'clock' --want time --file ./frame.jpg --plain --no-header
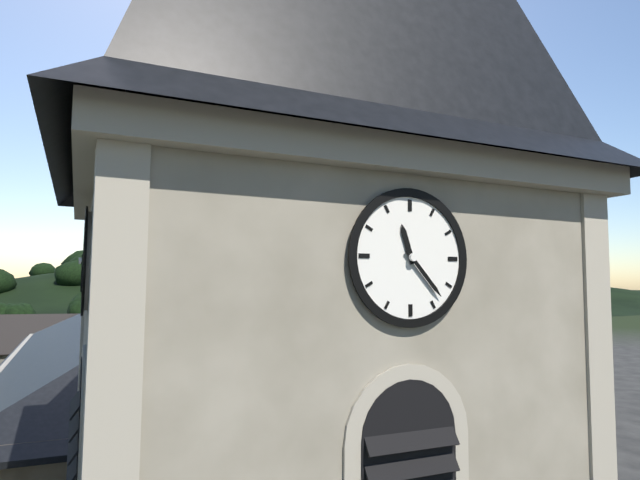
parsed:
11:23
